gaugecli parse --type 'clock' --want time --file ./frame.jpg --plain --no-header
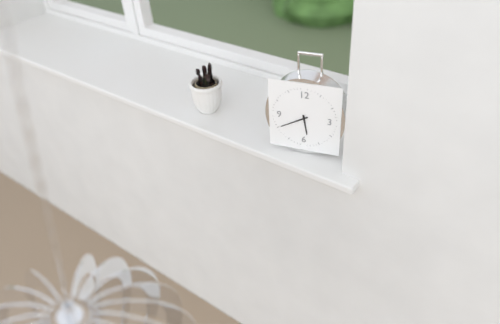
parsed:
5:40
